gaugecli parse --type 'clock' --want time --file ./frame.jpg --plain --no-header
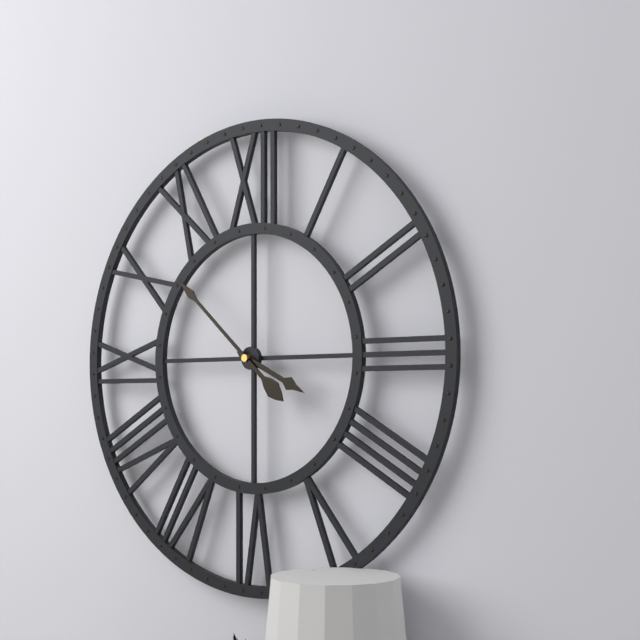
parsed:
3:52
